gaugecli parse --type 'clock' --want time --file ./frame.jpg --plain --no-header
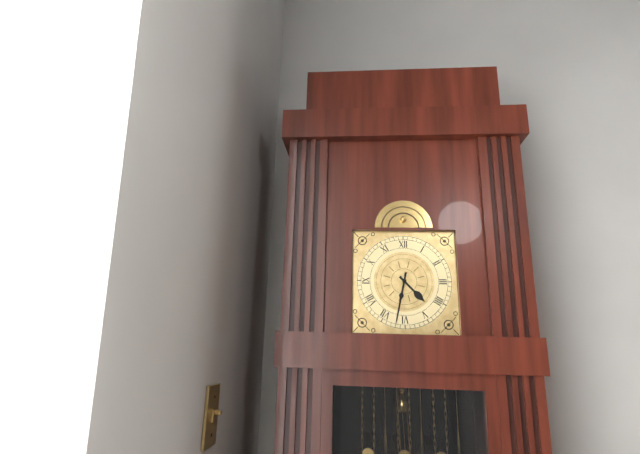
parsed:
4:32
